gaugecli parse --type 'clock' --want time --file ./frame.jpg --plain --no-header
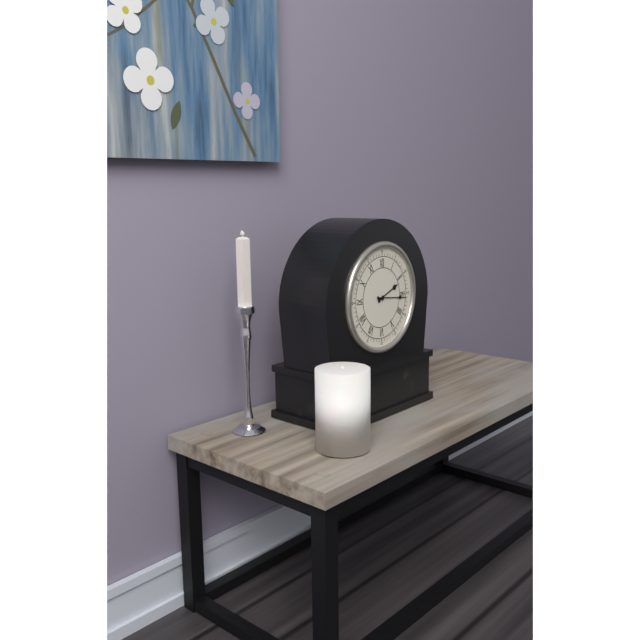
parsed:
2:16
